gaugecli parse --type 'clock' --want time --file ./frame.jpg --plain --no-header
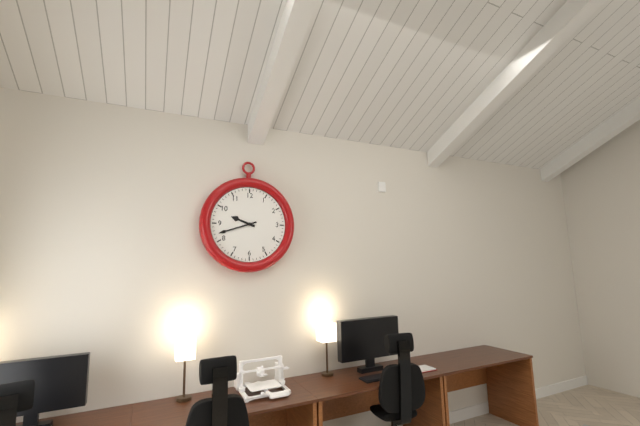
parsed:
9:42
